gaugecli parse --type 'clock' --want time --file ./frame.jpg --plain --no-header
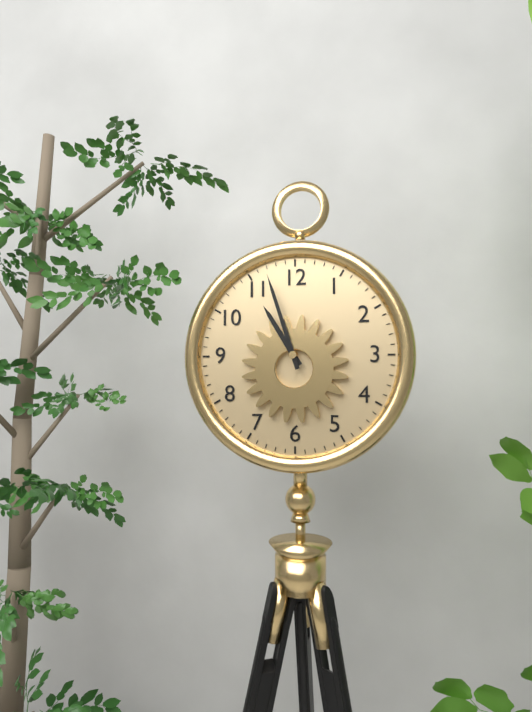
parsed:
10:57
